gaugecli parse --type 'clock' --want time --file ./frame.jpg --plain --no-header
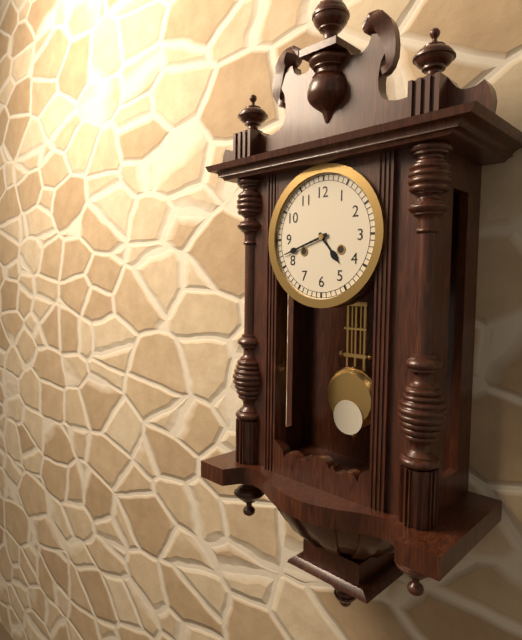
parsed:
4:42
